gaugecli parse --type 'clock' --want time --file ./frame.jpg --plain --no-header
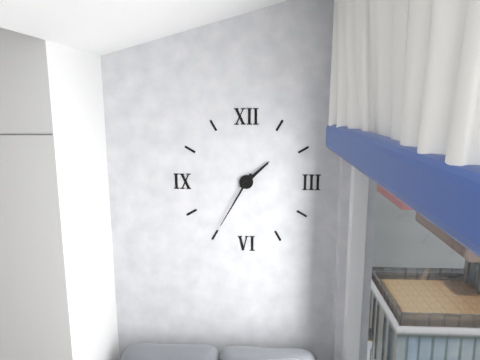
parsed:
1:35
